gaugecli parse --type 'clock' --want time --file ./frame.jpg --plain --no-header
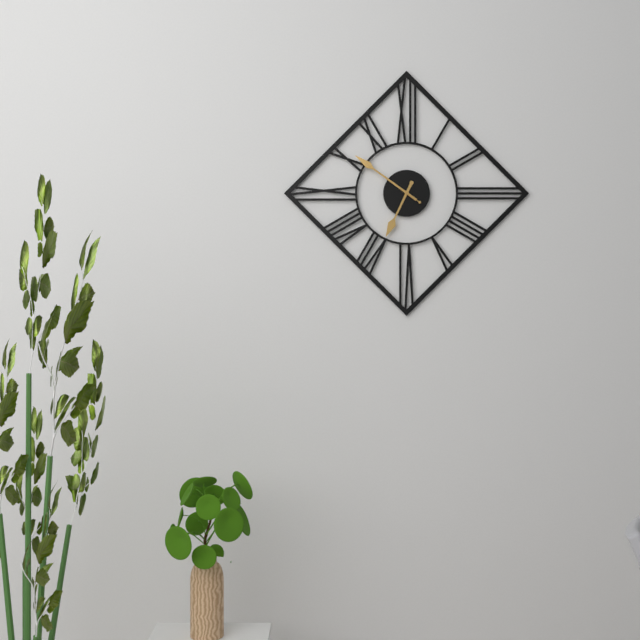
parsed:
6:51:51
